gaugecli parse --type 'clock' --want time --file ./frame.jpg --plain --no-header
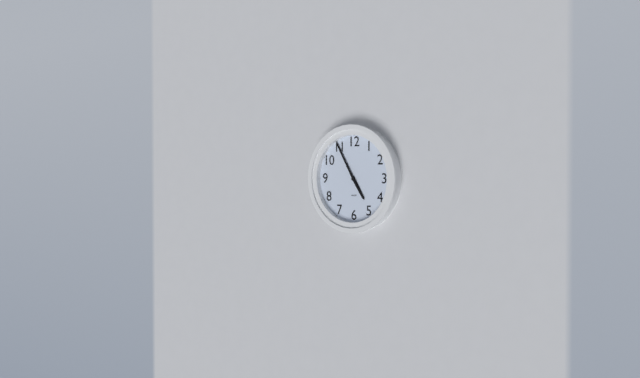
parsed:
4:55
